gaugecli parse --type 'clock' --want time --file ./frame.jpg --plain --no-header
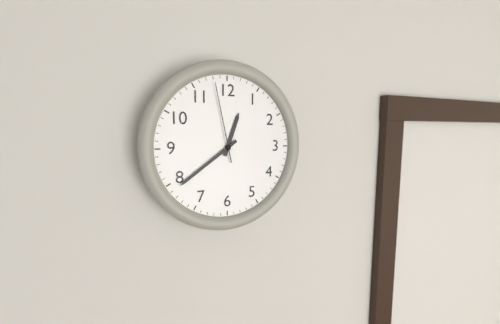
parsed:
12:39:58
